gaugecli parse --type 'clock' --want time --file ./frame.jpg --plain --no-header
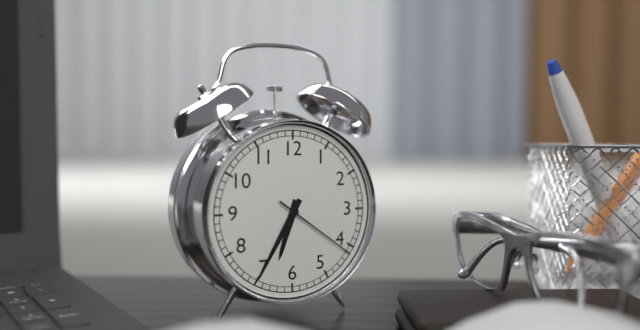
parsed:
6:35:21
